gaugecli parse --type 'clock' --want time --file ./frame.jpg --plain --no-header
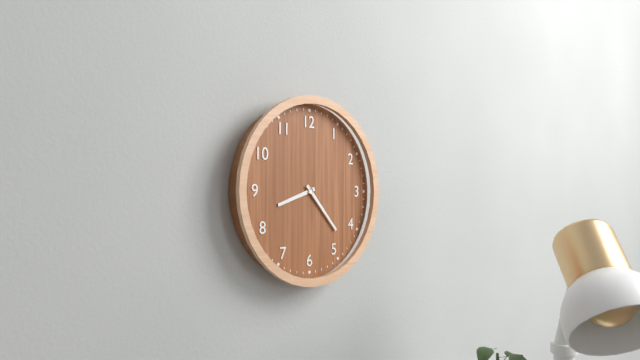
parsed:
8:23
